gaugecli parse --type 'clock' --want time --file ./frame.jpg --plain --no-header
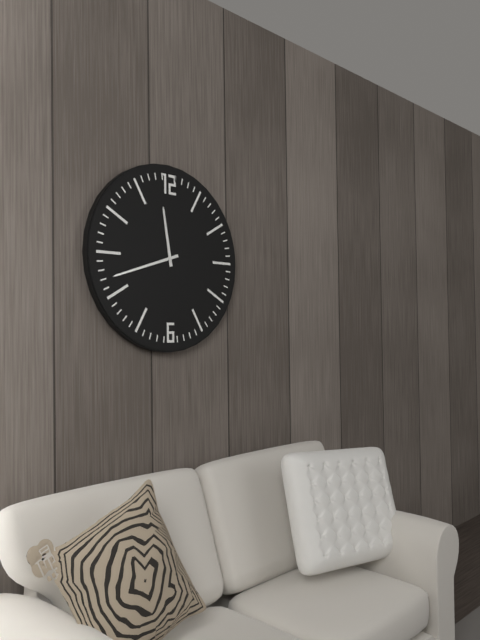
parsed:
11:42
